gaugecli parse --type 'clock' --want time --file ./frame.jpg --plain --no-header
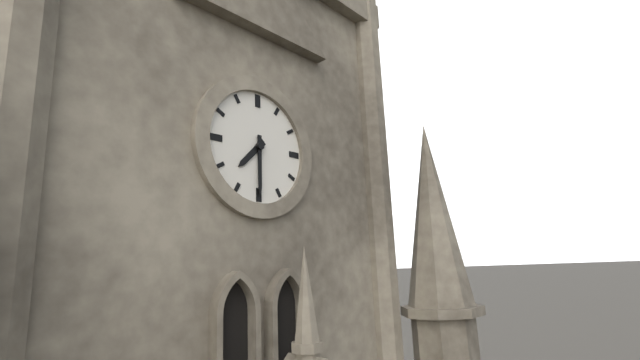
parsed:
7:30
